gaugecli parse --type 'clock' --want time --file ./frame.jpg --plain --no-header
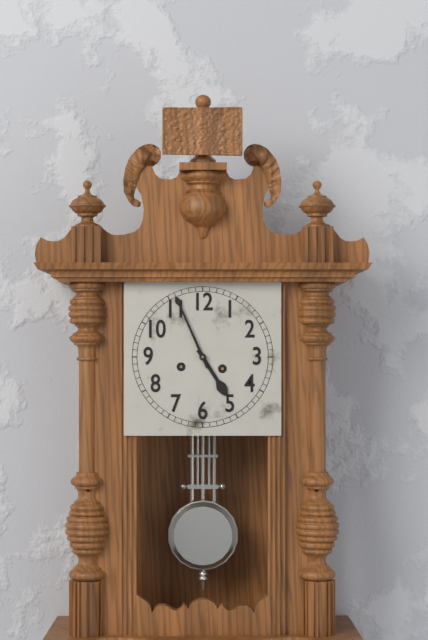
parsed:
4:56
